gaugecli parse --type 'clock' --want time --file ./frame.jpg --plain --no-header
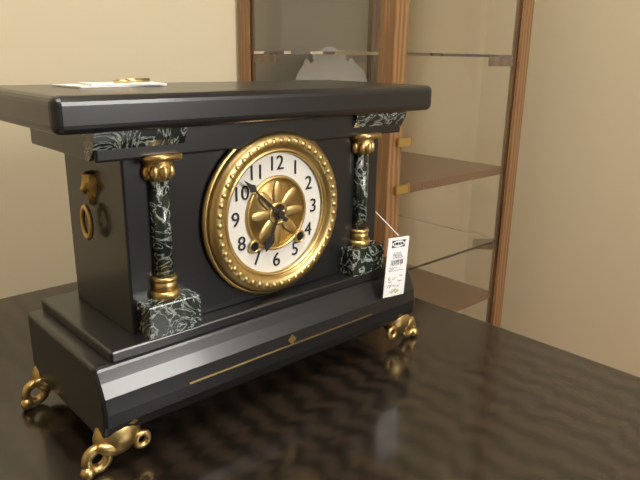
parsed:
6:52
